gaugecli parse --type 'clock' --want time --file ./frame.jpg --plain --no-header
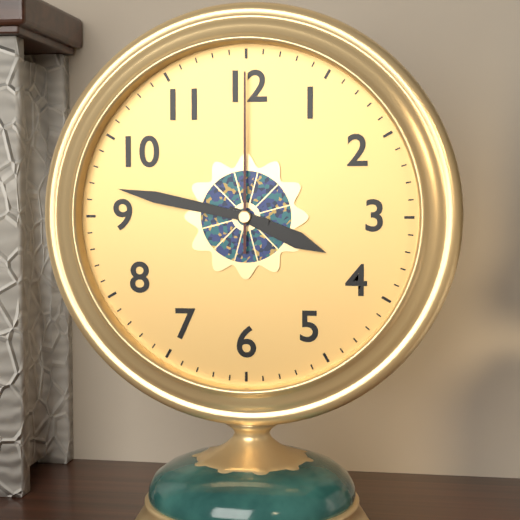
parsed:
3:47:00
